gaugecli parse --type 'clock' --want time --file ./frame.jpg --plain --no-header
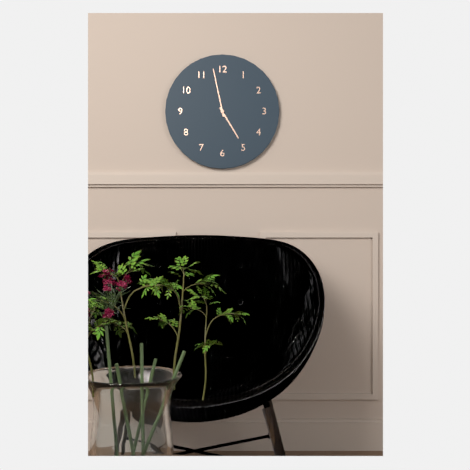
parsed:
4:58
